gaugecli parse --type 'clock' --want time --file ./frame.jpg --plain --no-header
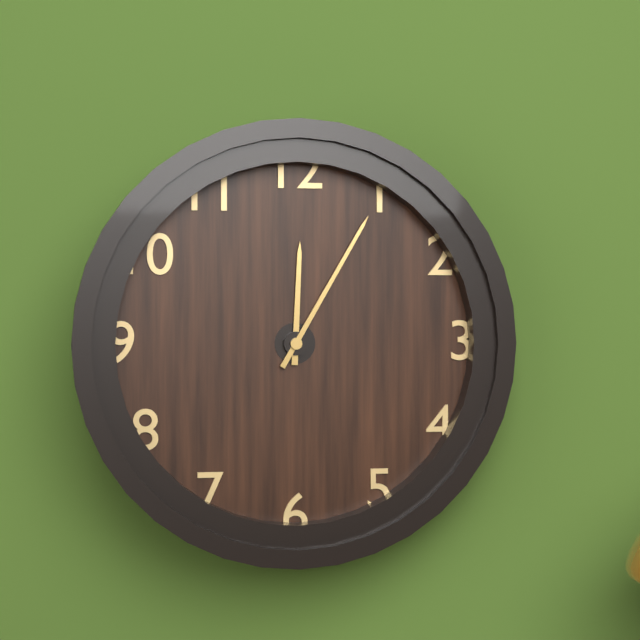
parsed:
12:05
